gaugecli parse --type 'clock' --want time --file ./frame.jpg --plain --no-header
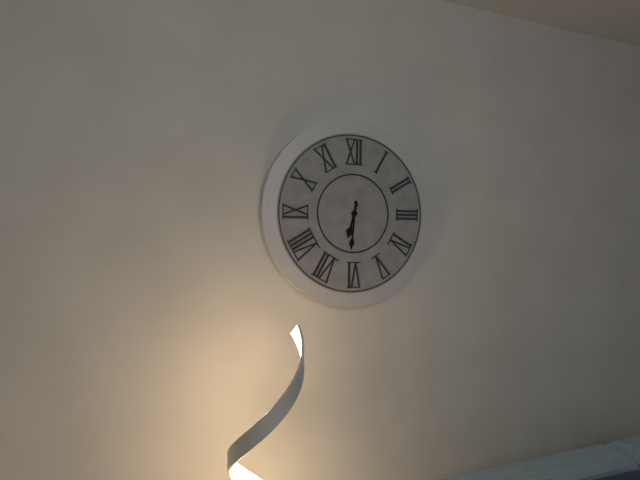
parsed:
6:31
